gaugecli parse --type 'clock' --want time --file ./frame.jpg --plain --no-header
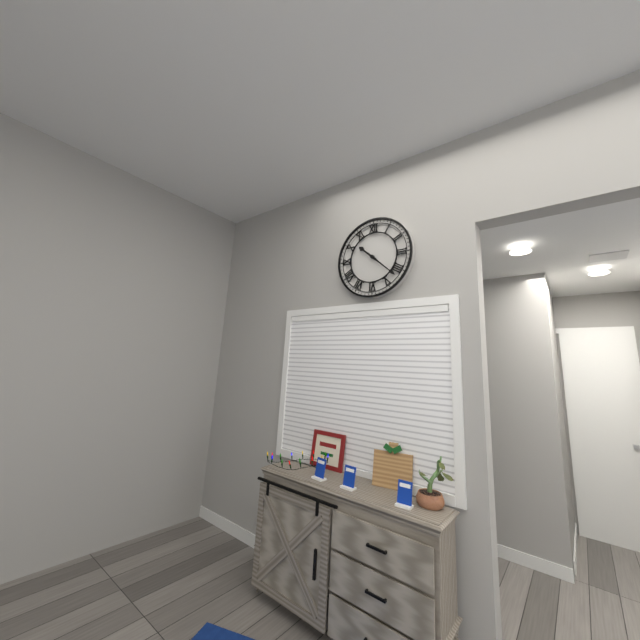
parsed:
10:22
